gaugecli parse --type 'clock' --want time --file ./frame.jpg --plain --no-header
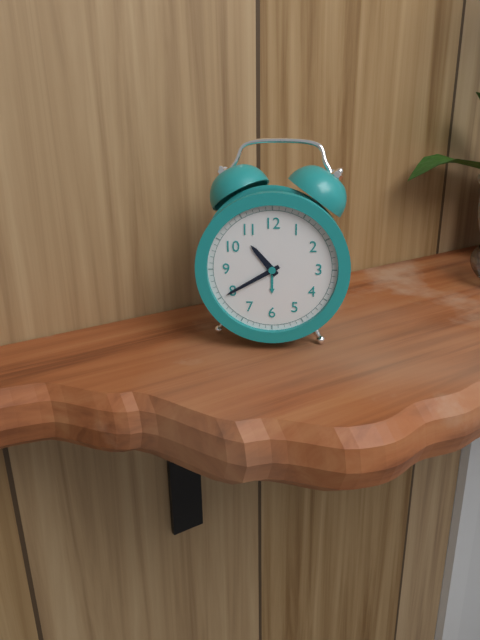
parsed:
10:40
